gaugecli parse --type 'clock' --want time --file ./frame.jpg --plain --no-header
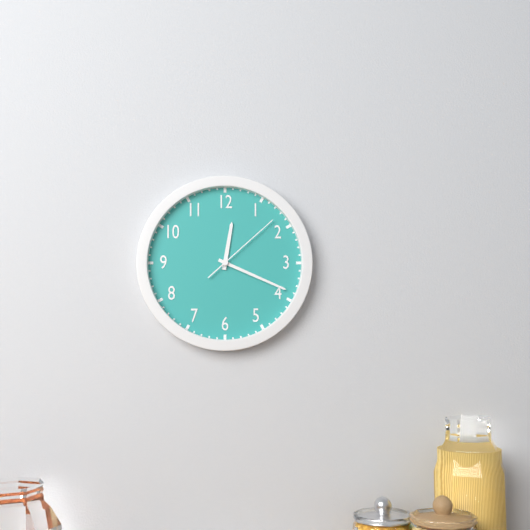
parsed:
12:19:08
